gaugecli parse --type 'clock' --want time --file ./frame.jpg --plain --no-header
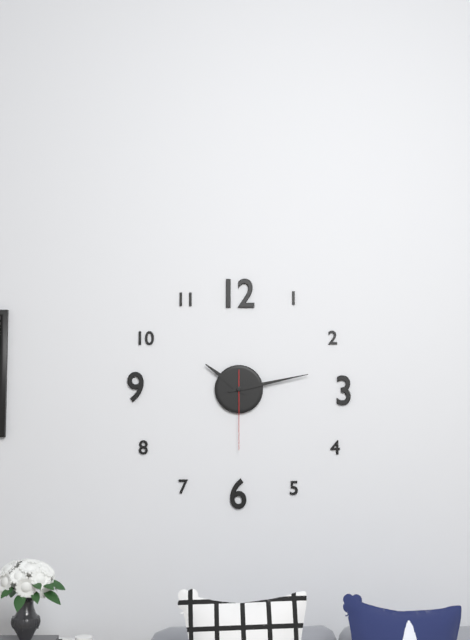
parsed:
10:13:30
